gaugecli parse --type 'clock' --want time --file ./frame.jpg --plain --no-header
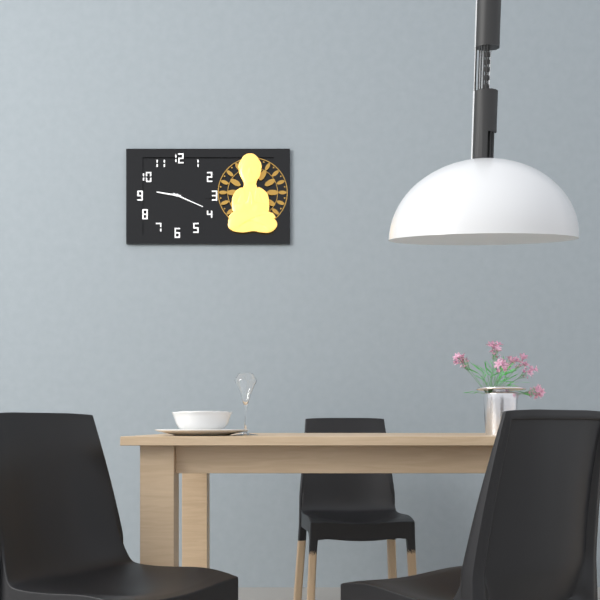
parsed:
9:19
